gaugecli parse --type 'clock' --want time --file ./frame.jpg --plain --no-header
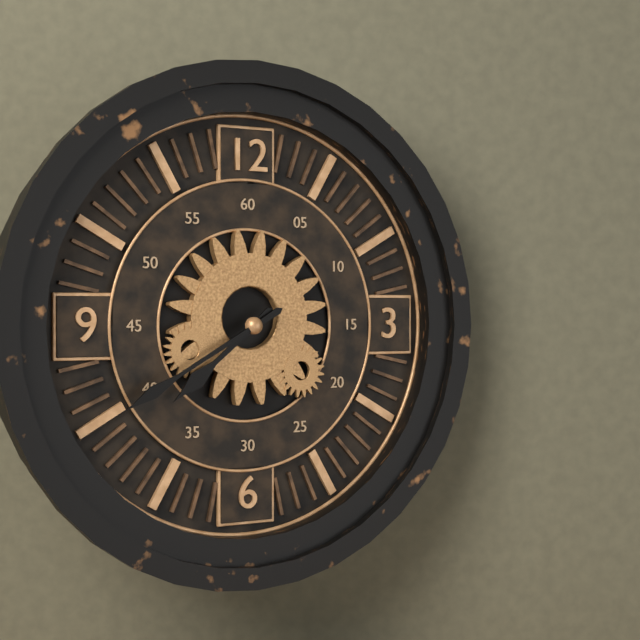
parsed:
7:40
